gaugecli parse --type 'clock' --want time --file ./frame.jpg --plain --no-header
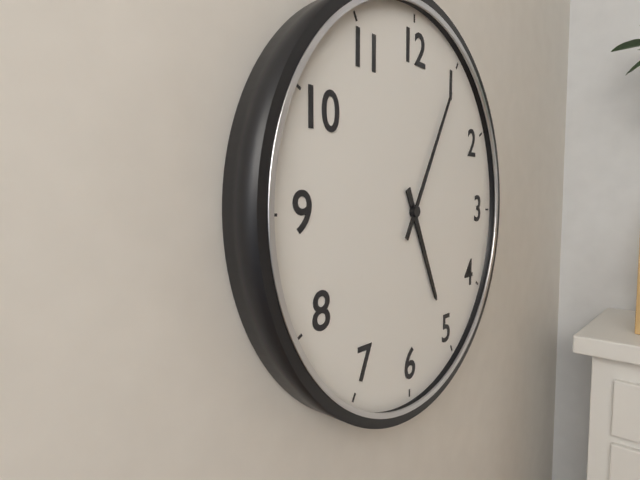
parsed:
5:05
